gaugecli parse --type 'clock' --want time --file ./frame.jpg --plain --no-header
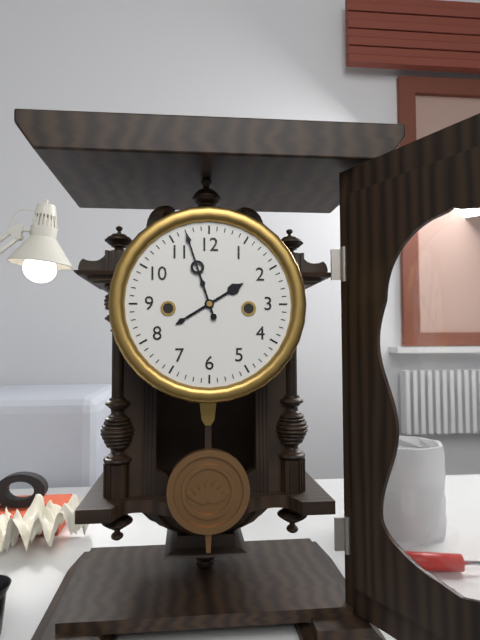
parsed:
1:57
